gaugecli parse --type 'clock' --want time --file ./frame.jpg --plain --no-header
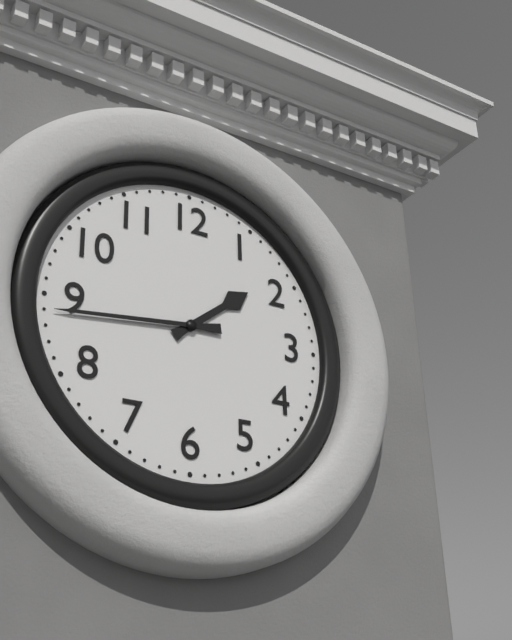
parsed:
1:44
